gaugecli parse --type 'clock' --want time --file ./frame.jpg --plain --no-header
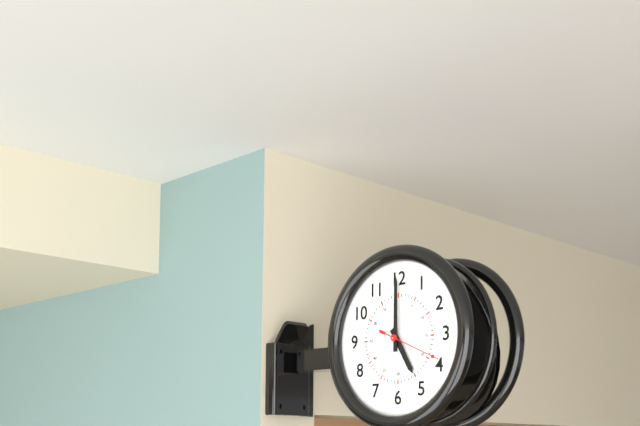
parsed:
5:00:19
